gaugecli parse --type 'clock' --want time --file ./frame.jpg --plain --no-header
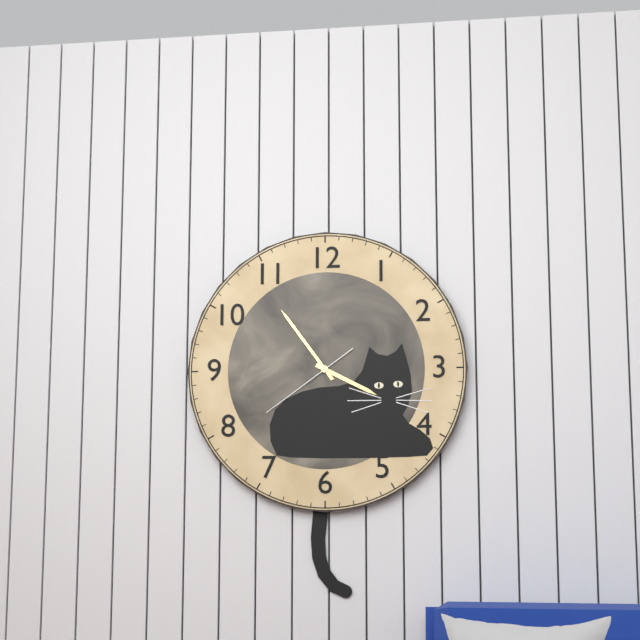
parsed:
3:54:39
